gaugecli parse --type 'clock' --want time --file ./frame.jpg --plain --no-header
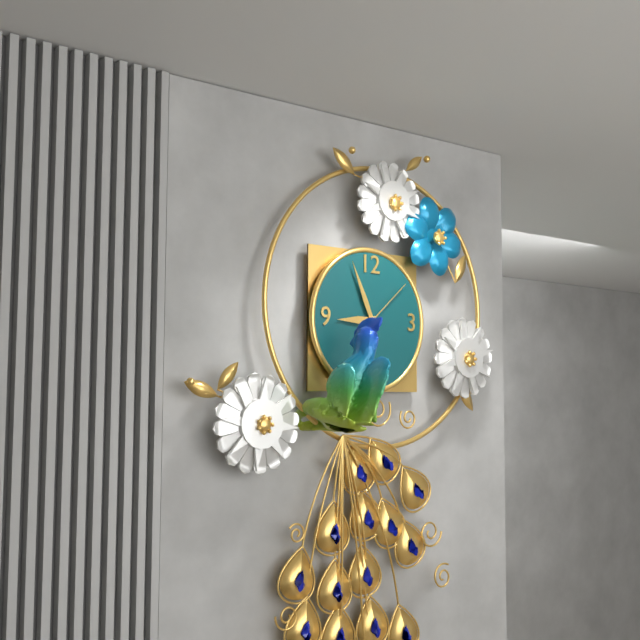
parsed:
8:56:08
